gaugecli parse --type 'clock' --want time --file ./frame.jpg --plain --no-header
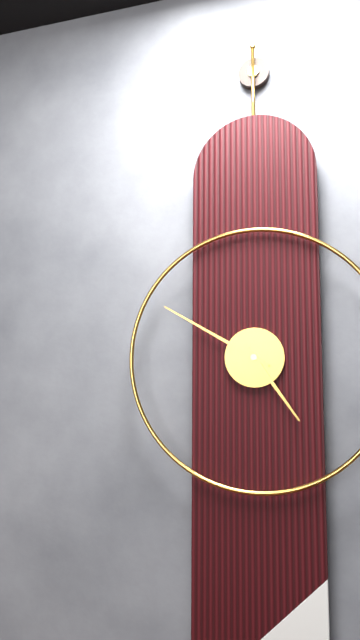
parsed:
4:50
